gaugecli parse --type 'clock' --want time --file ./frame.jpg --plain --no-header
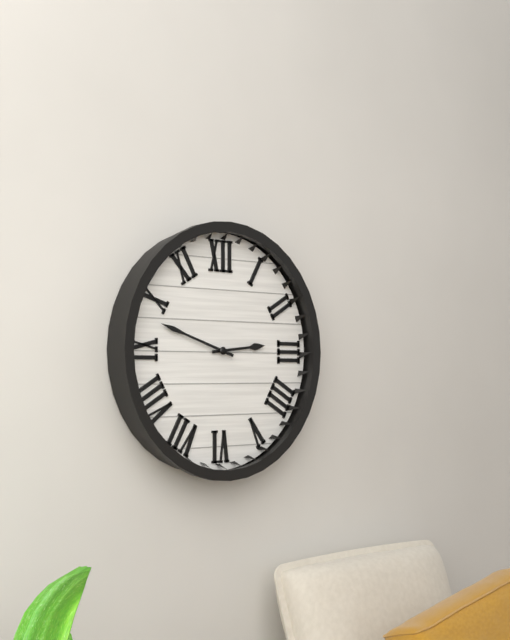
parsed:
2:48
